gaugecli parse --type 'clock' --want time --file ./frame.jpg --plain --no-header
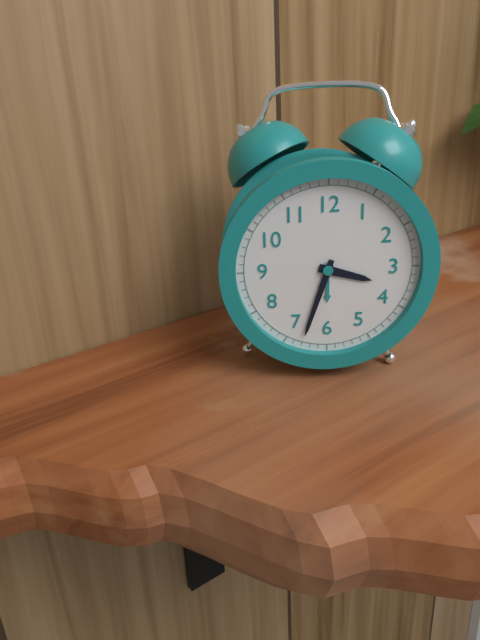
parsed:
3:33
